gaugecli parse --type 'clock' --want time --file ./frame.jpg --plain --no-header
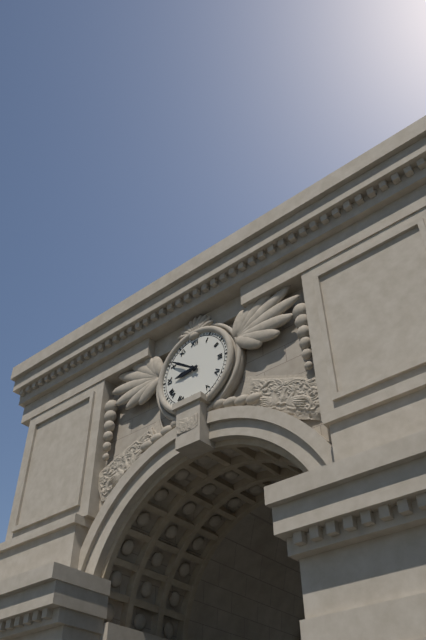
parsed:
8:51
